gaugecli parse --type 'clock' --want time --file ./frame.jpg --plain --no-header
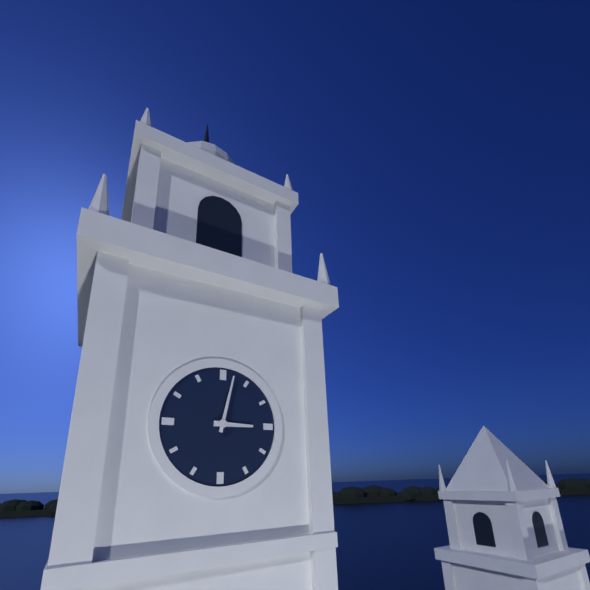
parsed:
3:02
